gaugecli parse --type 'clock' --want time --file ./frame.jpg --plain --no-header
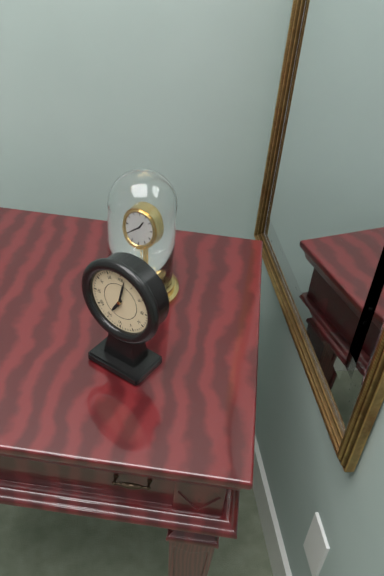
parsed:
7:02
